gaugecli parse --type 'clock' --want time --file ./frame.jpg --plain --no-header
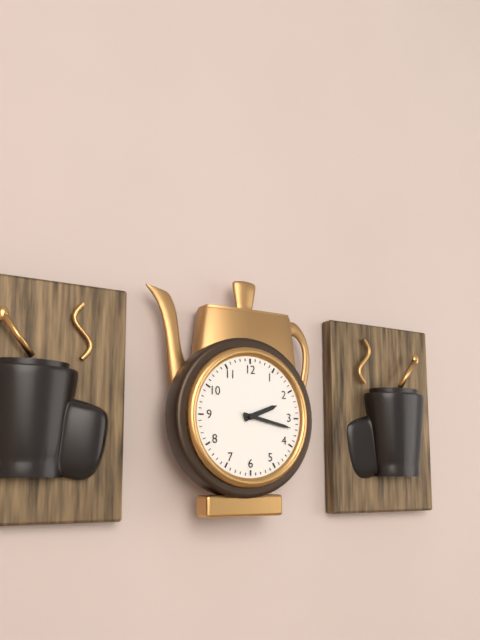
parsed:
2:17
